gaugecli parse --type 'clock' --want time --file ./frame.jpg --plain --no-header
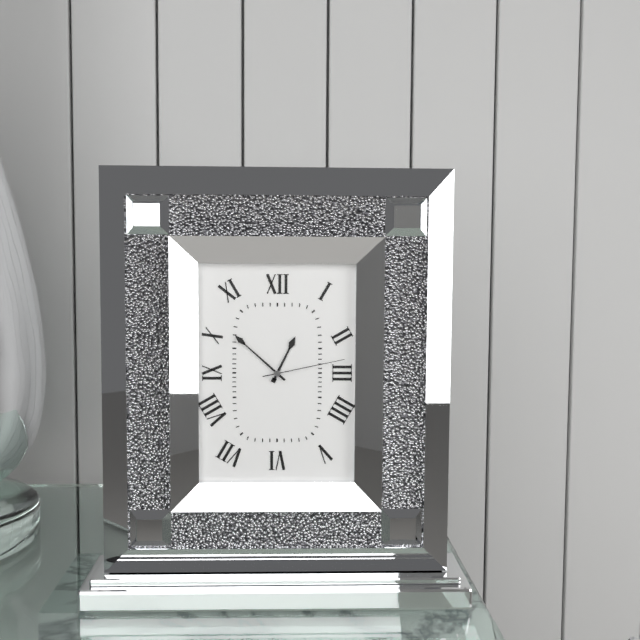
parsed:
12:52:13
